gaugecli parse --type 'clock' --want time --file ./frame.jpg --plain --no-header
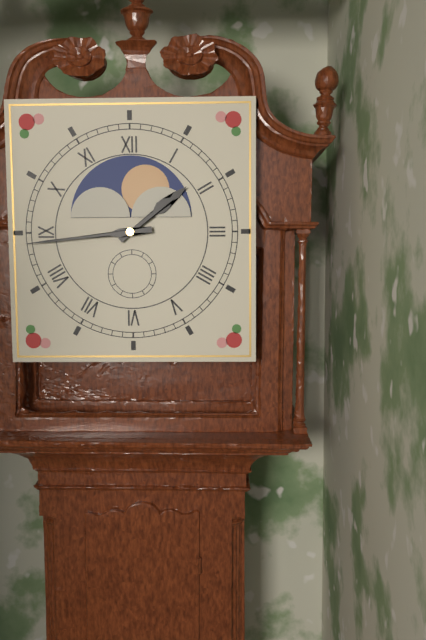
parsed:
1:44
